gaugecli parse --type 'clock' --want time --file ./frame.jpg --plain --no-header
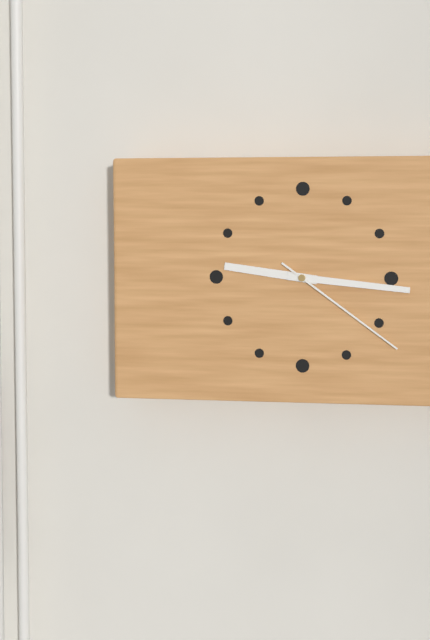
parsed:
9:16:21
